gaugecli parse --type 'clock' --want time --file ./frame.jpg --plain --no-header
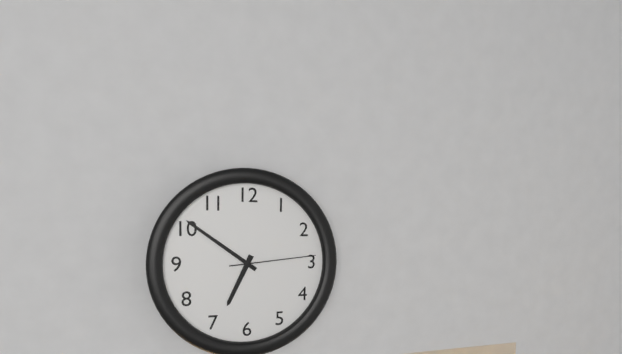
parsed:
6:51:14
